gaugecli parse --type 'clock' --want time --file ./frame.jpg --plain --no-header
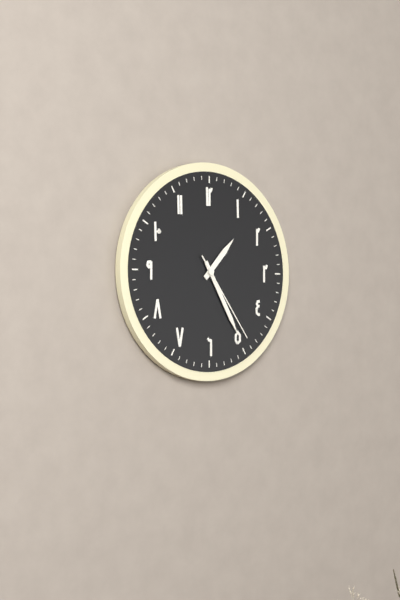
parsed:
1:25:24
